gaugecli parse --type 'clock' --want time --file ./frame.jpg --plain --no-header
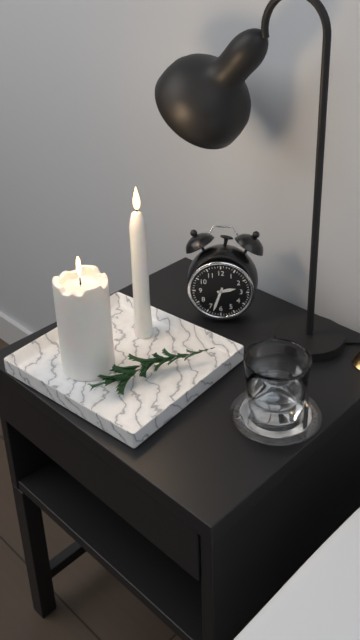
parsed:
2:33
